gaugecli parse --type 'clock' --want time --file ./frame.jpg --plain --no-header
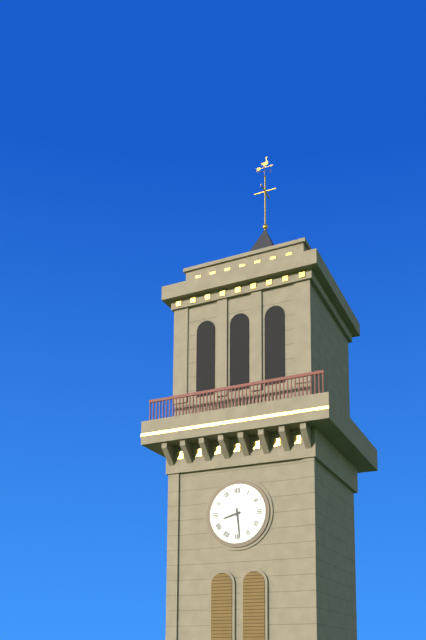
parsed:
8:29
